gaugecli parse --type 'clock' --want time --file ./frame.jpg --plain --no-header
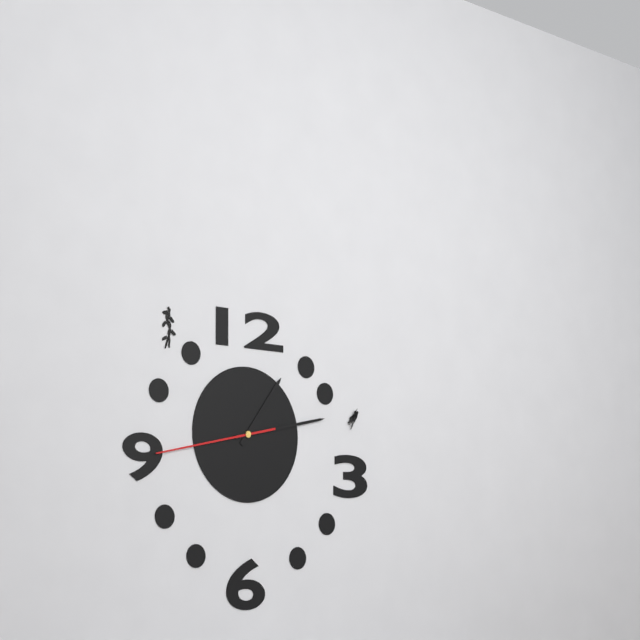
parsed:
1:13:43
